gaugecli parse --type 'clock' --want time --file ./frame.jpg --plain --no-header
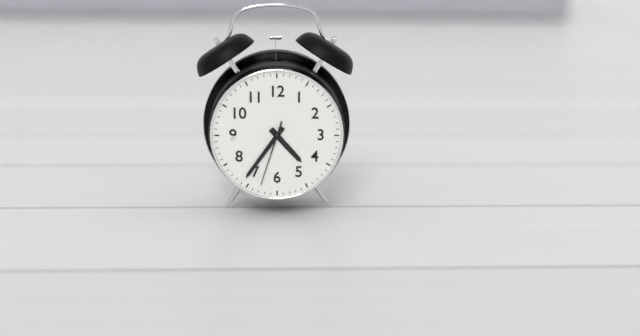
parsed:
4:36:33
